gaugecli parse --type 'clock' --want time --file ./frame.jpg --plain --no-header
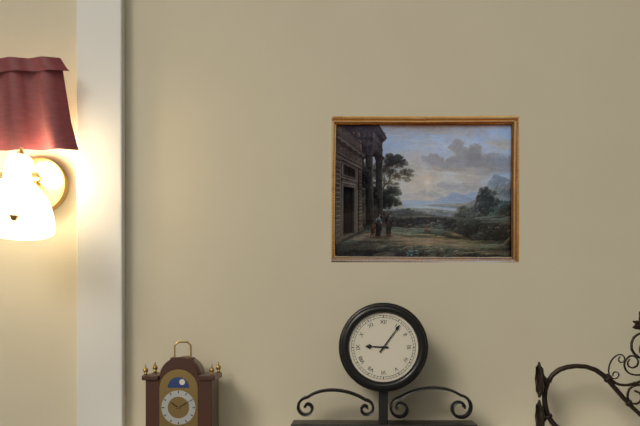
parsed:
9:06
